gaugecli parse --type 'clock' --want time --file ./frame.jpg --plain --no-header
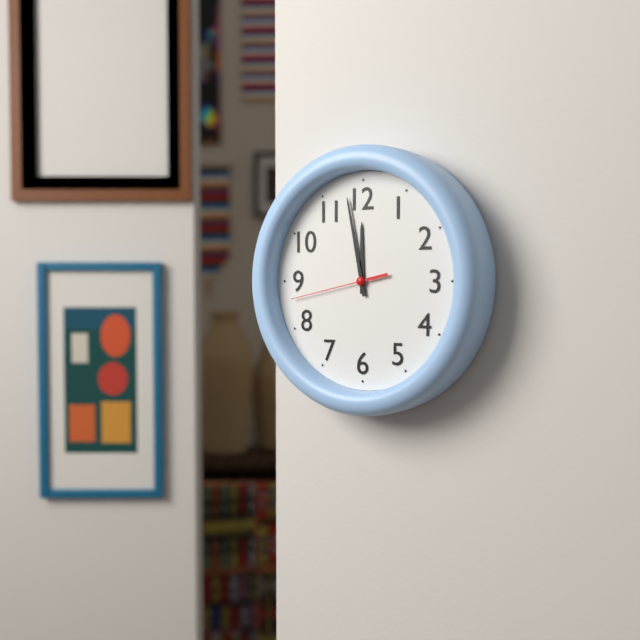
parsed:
11:58:43
